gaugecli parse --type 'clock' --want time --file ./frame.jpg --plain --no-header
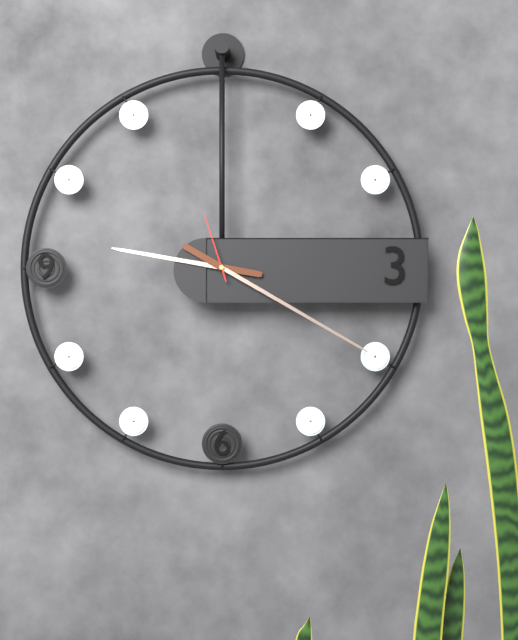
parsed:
9:20:57
